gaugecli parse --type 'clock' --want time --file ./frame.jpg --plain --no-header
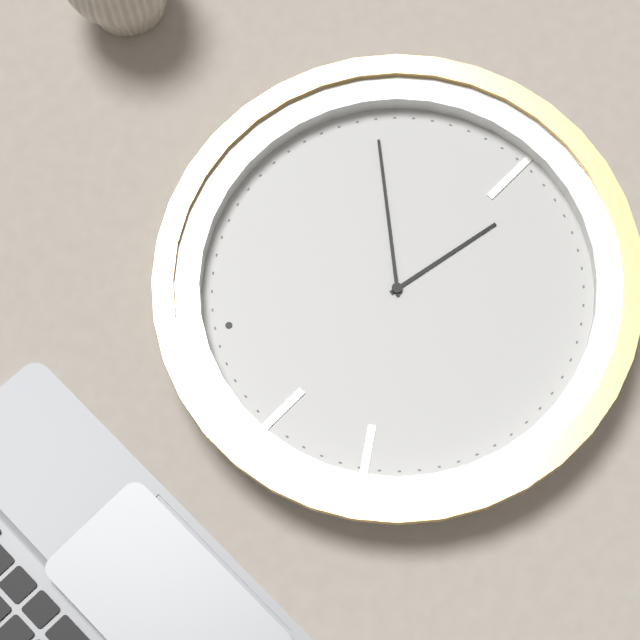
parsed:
5:16
